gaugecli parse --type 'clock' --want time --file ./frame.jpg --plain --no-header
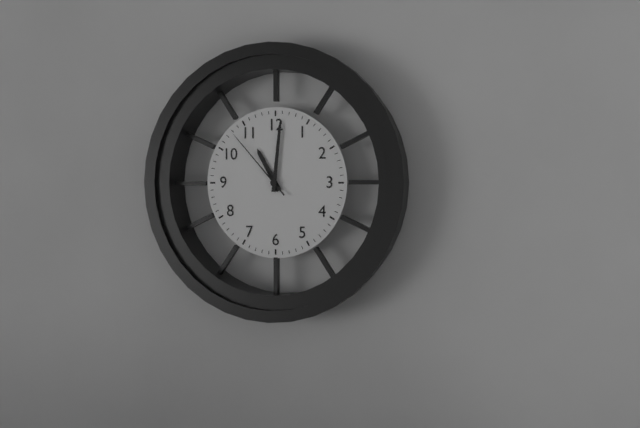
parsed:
11:01:53
